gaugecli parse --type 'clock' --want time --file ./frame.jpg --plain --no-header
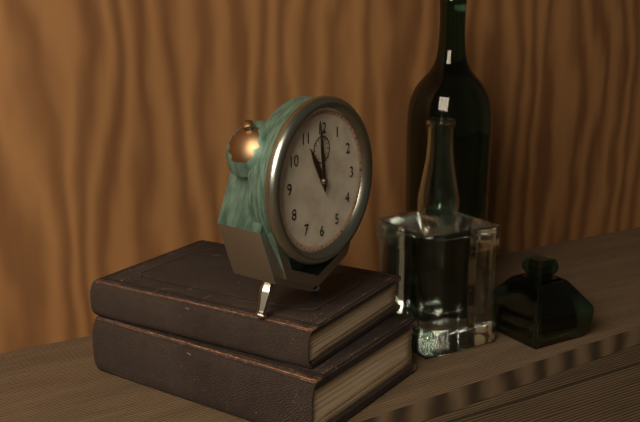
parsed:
10:59
